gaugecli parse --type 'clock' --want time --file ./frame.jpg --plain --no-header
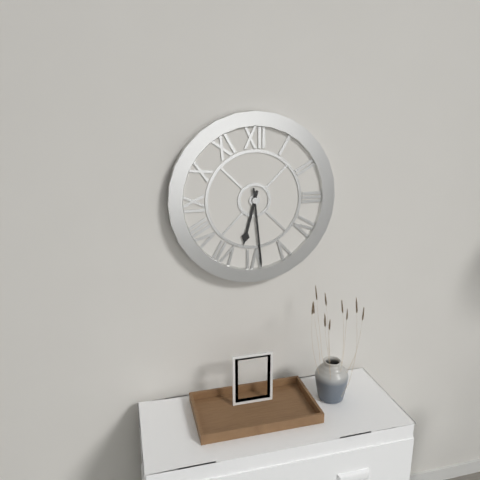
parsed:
6:29
